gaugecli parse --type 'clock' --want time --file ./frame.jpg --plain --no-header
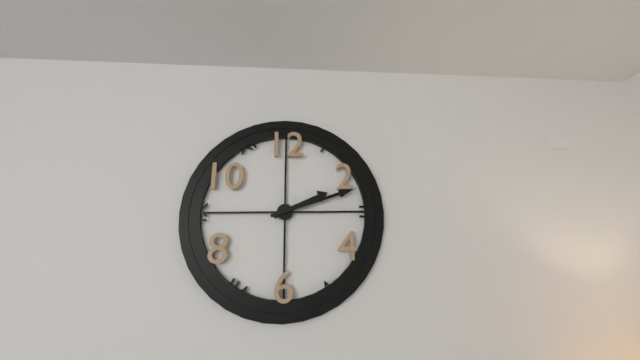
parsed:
2:12
